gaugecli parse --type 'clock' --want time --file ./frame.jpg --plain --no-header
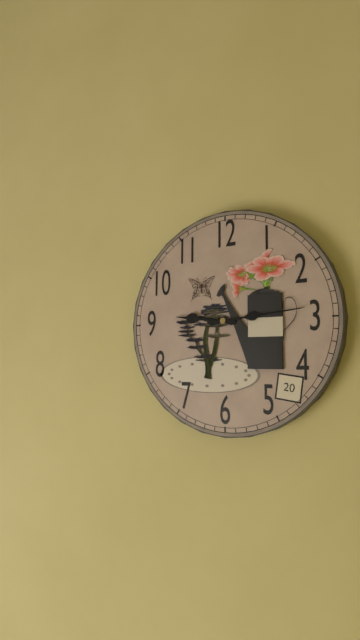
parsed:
9:14
